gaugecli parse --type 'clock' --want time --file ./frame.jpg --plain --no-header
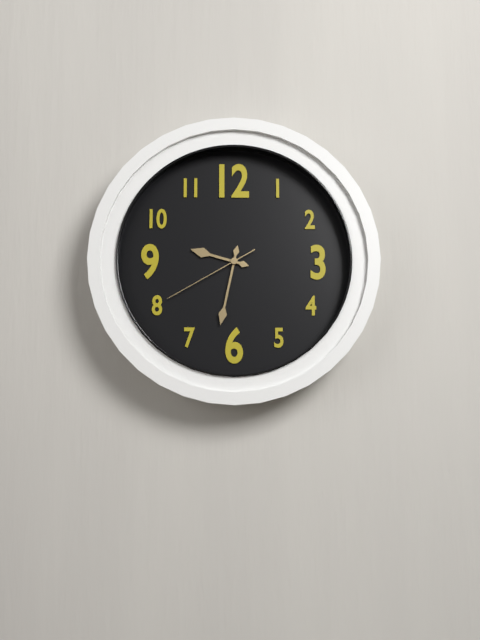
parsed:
9:32:40
